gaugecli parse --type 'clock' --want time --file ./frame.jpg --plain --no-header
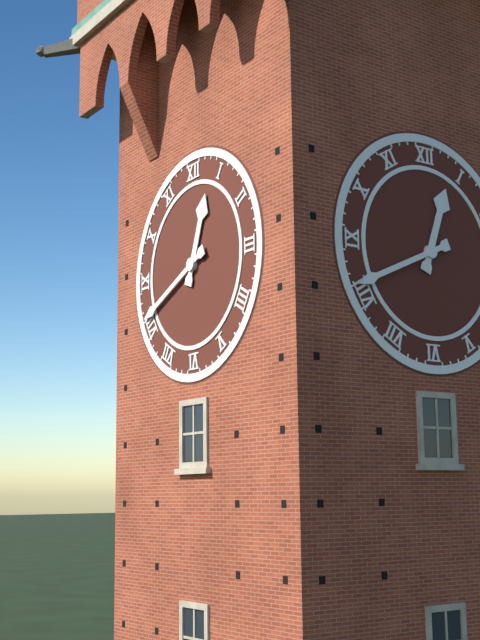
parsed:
12:41
